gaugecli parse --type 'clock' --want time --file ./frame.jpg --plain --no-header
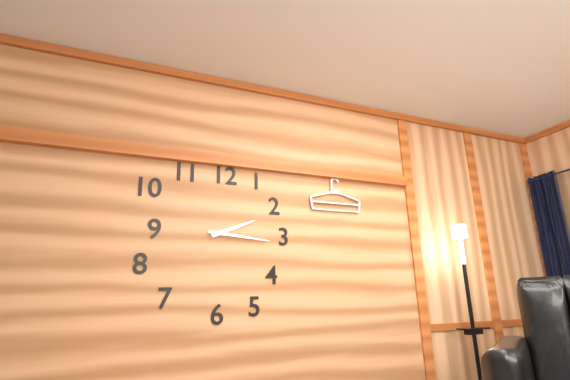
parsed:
2:16
